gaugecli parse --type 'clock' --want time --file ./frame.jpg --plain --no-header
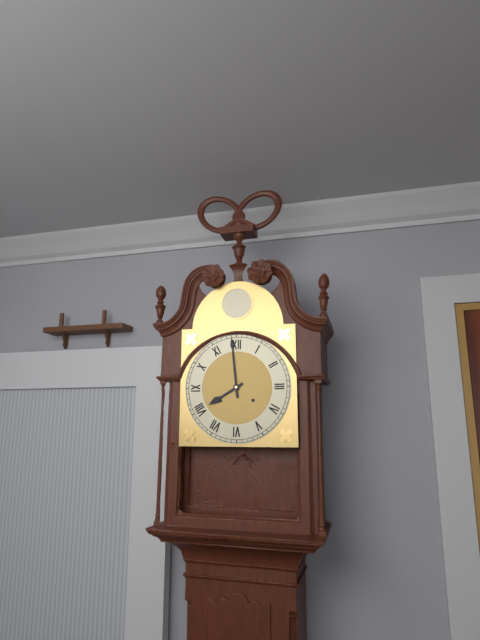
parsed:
7:59
